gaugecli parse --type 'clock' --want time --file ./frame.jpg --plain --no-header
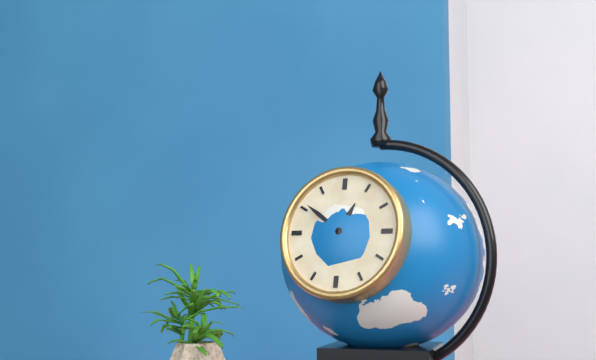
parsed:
12:51
